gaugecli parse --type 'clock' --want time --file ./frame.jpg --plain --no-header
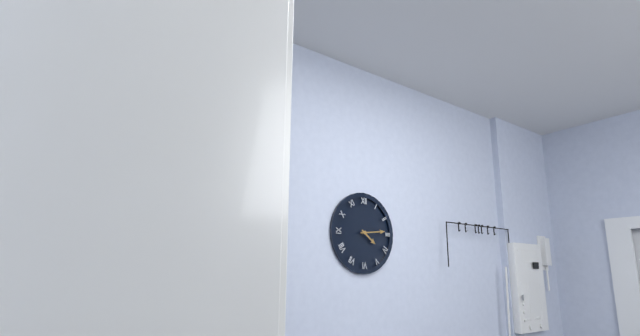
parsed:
4:14
